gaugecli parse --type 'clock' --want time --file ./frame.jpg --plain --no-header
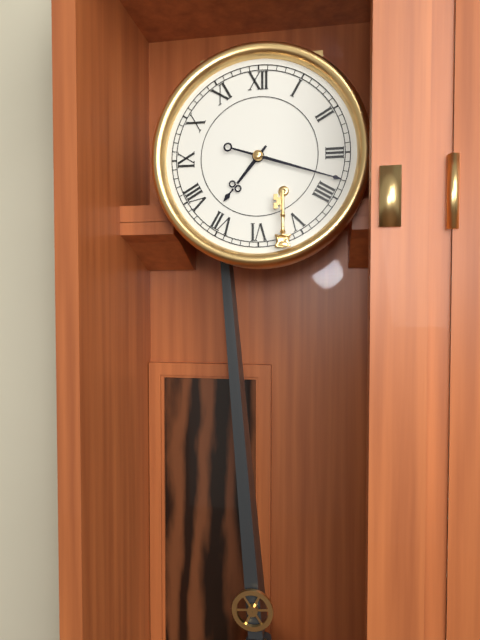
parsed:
7:18
